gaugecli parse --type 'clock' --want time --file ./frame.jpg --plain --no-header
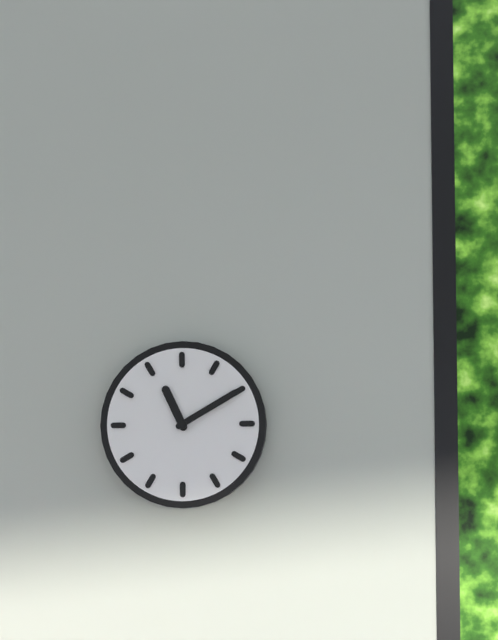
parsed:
11:10
